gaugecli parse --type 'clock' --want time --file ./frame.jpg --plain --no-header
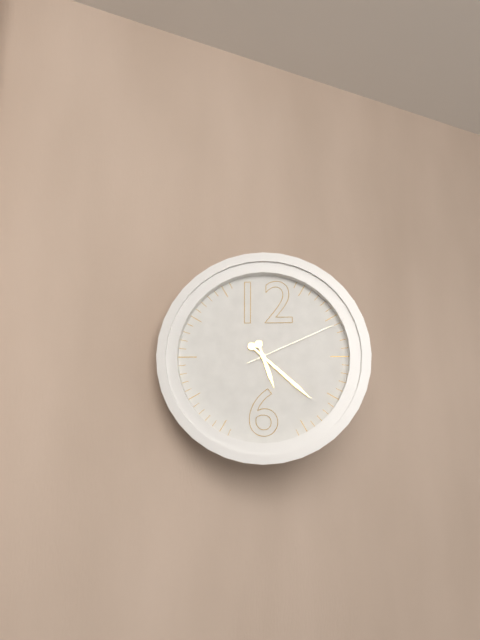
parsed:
5:22:11
